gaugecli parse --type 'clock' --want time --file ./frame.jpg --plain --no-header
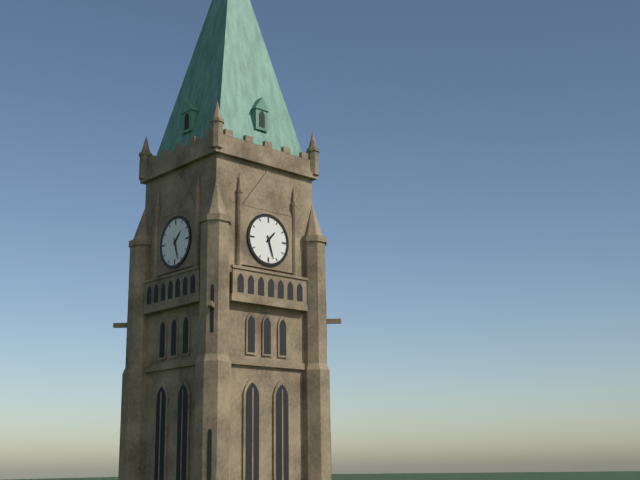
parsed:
1:27
